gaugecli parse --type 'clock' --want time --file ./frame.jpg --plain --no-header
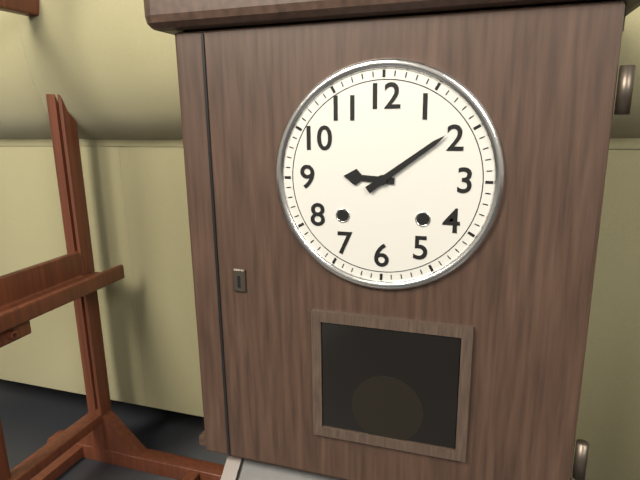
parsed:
9:09
